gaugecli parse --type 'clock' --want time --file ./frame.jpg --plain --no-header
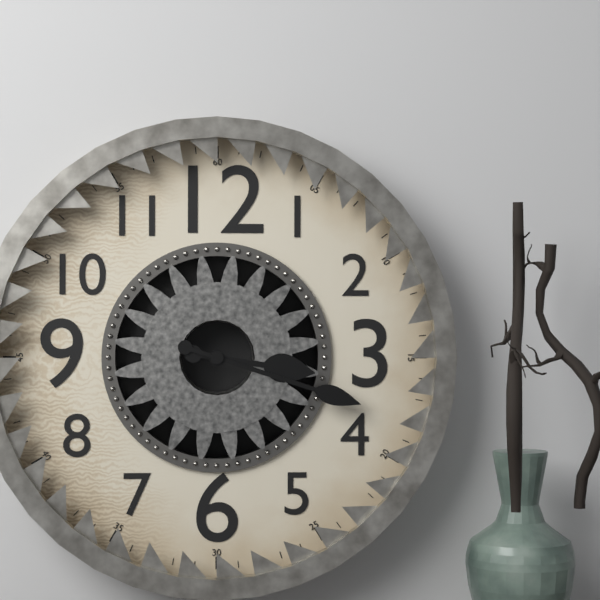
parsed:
3:18
